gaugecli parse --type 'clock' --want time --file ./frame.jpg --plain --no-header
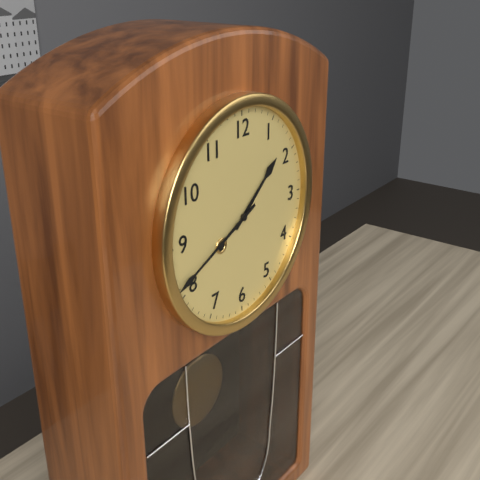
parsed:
1:41
